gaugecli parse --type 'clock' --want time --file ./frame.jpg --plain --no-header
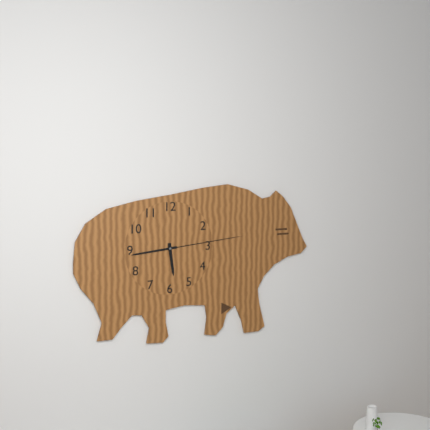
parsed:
5:44:14
